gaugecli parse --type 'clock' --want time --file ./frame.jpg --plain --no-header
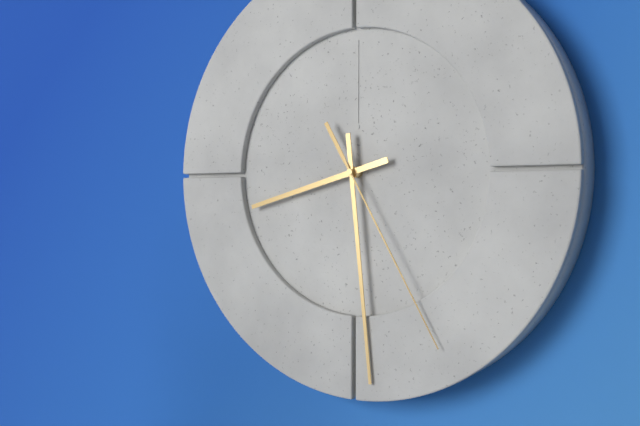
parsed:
8:29:25
